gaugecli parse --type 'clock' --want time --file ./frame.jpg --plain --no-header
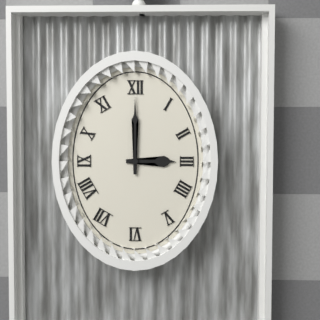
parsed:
3:00
